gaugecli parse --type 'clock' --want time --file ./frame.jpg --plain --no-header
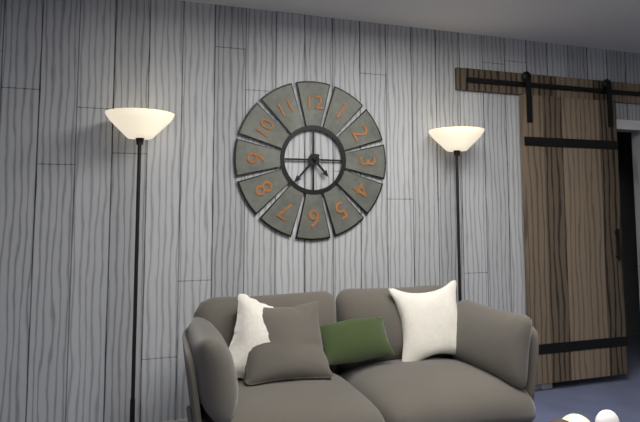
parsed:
4:37
